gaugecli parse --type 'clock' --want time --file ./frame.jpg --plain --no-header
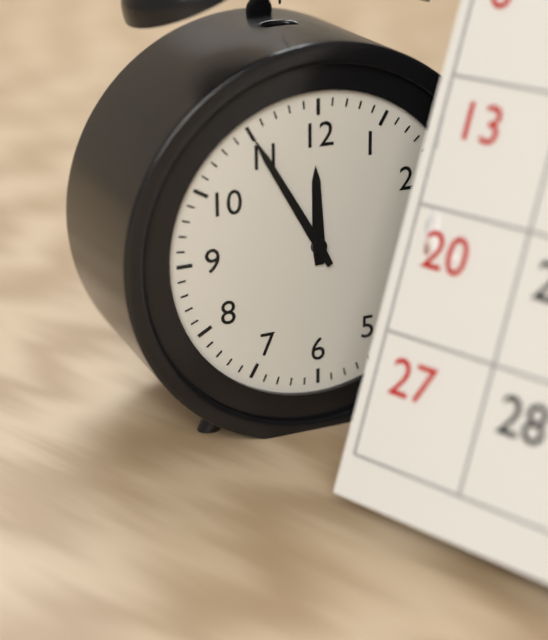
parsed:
11:55
